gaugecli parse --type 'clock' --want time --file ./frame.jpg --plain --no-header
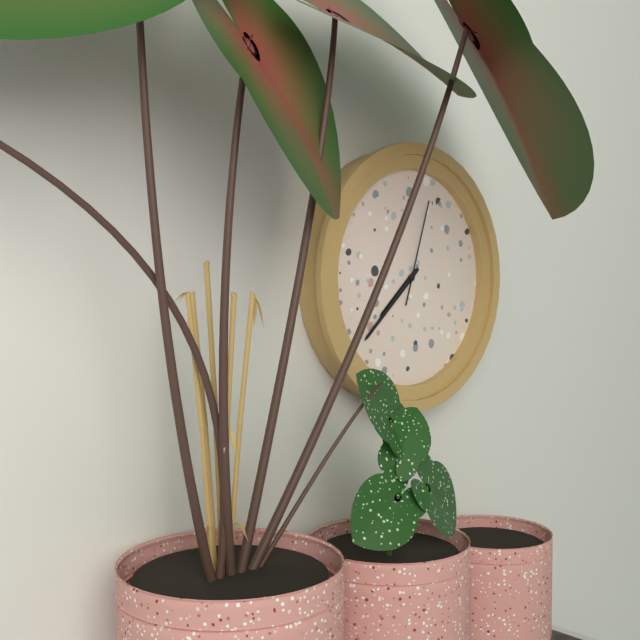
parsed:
7:38:03
